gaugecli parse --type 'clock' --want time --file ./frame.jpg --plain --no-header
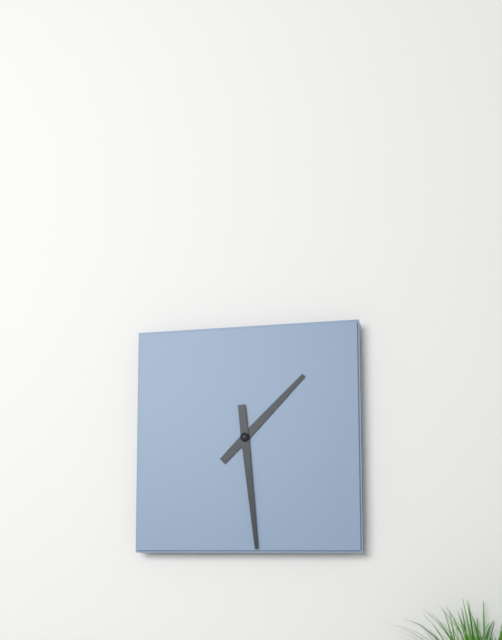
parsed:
1:29
